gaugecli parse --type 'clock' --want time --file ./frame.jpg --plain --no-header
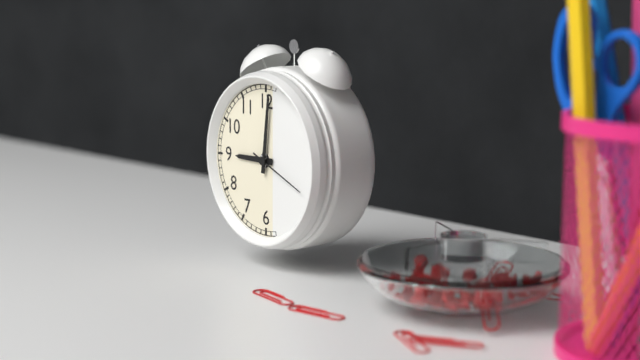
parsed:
9:01:19
